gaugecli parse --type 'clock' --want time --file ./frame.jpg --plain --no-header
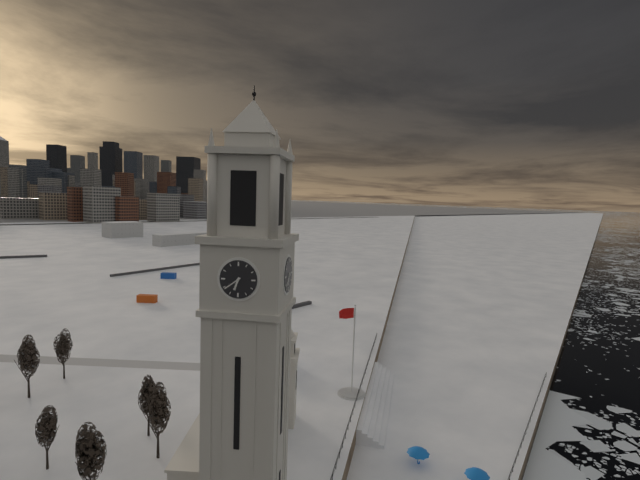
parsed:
6:39
